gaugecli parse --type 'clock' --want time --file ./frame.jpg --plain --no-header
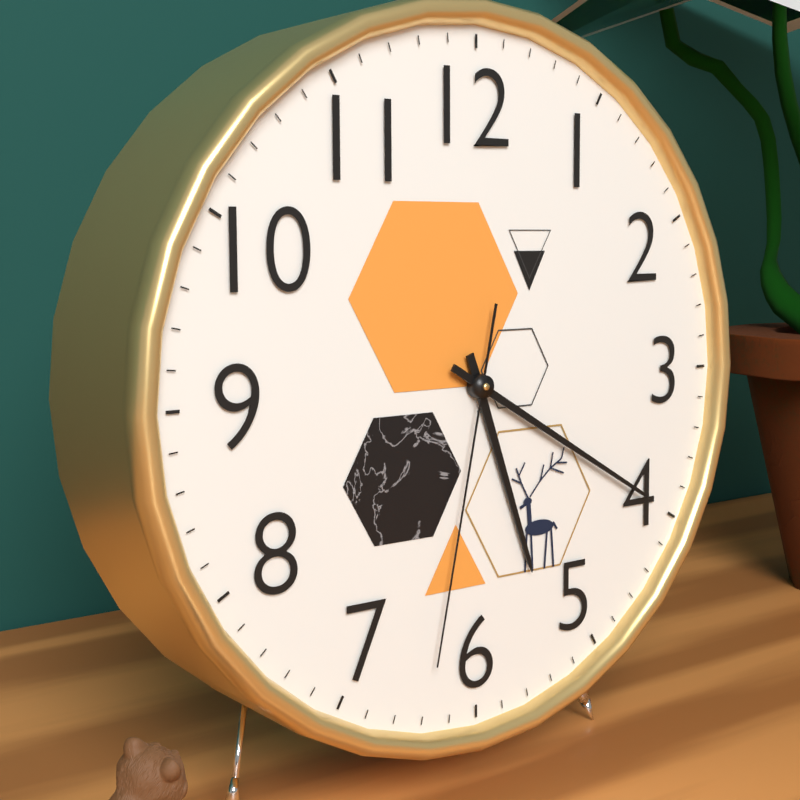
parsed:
5:20:32
